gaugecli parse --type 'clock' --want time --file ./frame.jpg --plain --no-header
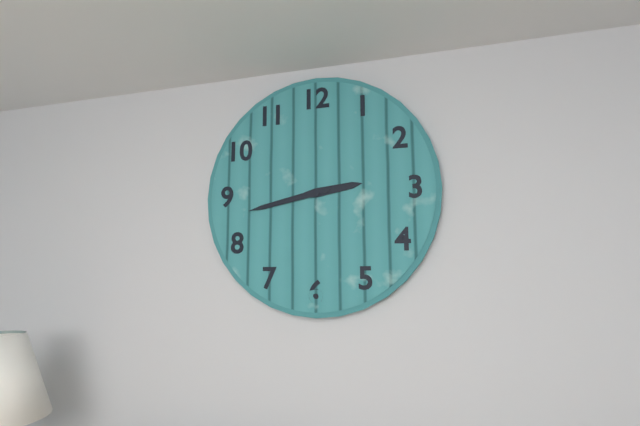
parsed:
2:43
